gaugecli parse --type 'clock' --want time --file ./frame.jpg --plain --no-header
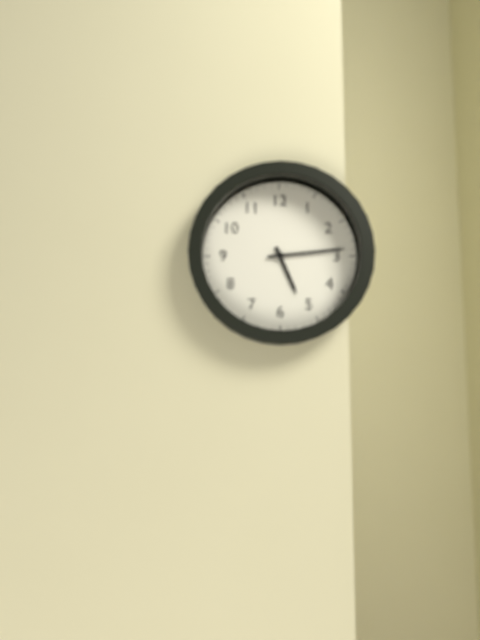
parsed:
5:14
